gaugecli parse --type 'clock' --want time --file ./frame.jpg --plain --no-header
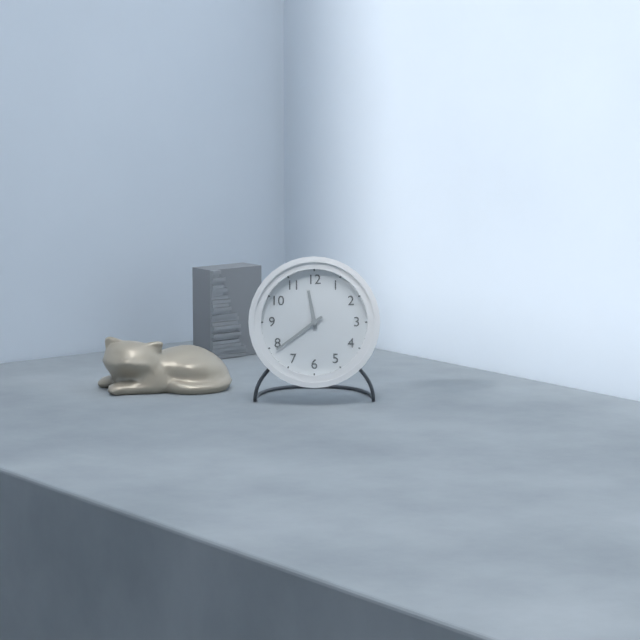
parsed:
11:39
